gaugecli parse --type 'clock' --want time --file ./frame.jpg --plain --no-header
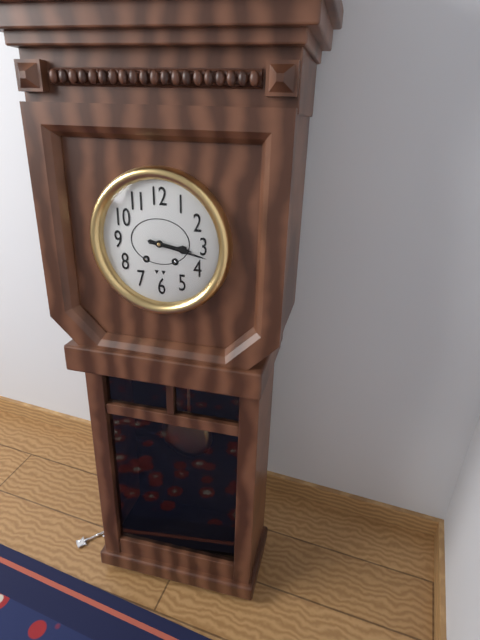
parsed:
3:17
